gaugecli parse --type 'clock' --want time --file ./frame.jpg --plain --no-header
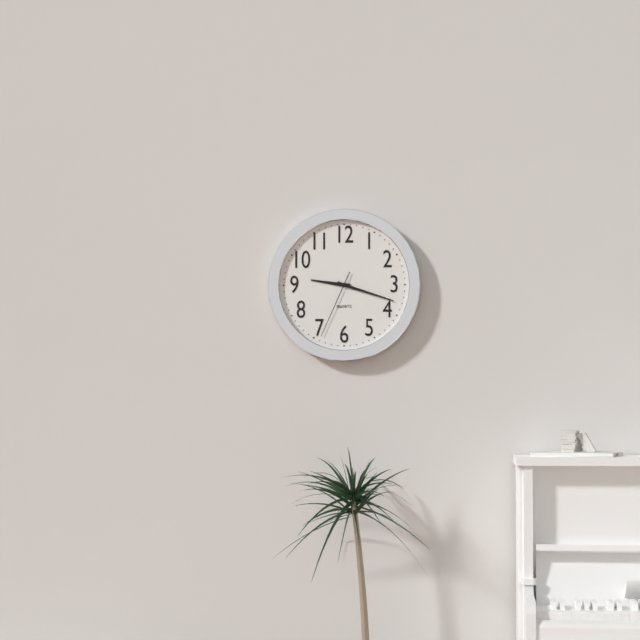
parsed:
9:18:34
